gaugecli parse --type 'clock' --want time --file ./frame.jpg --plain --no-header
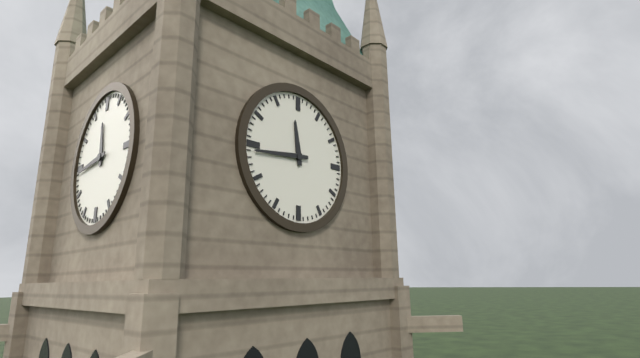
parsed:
11:44
